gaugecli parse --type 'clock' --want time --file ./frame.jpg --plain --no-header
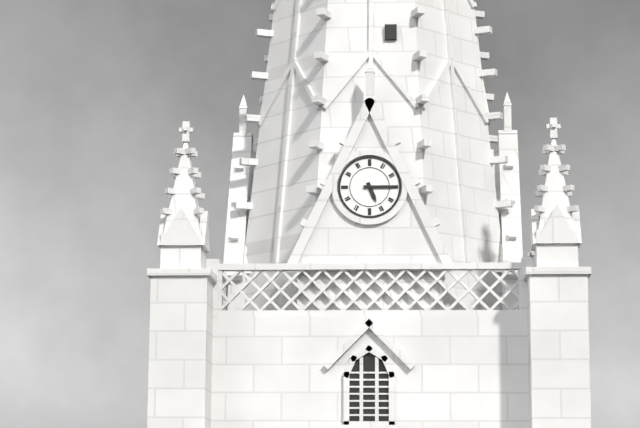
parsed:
5:15
